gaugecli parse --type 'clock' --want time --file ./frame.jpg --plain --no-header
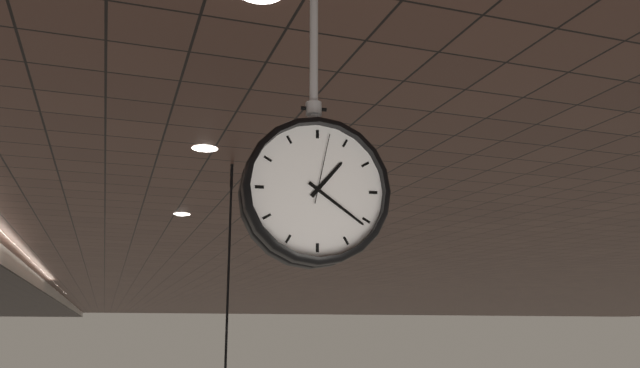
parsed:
1:21:02
